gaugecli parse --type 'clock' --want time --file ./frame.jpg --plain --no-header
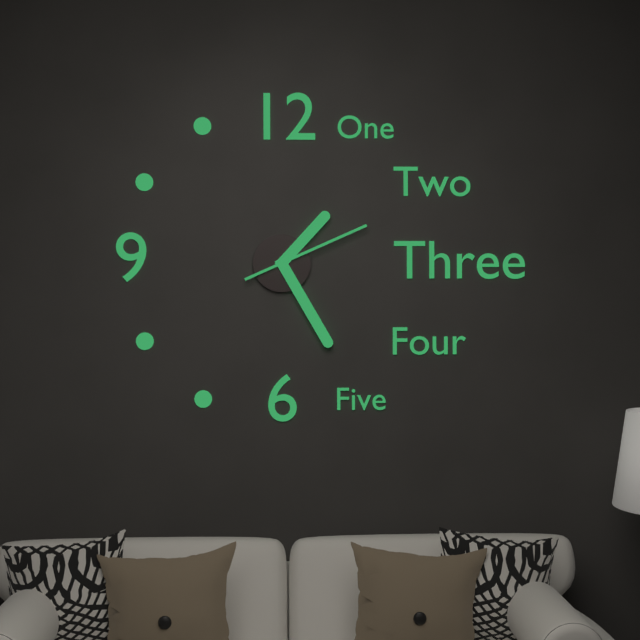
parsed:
1:25:11
